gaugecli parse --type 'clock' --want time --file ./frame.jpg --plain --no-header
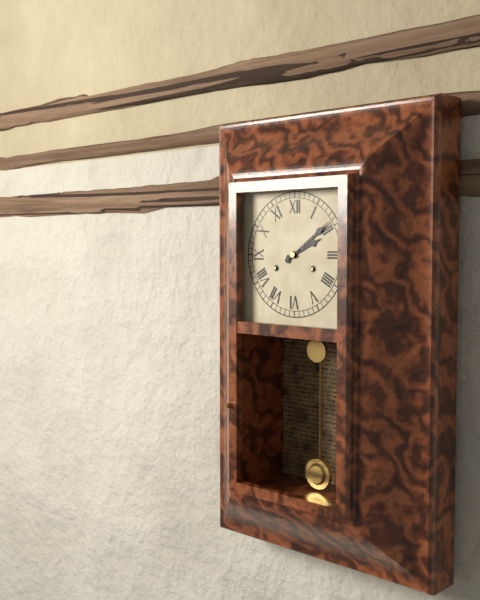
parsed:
2:09
